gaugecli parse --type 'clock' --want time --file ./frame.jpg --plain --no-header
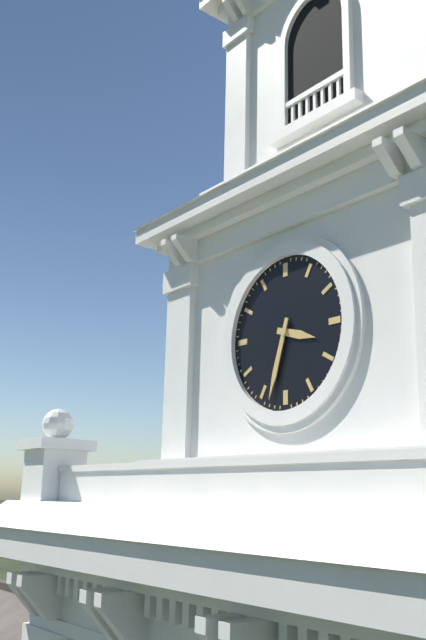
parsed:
3:33
